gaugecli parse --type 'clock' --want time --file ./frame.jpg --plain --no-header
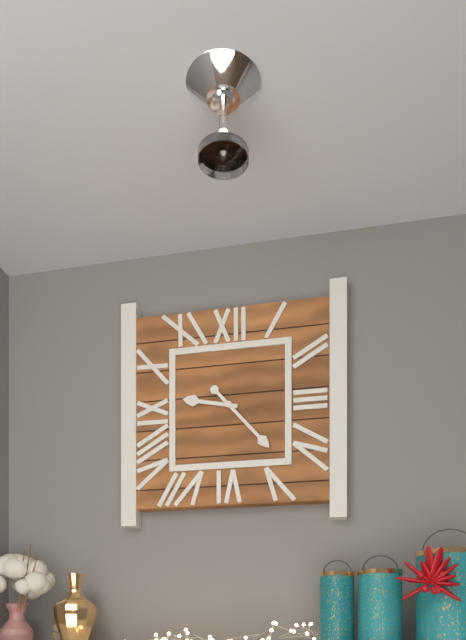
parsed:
9:23
